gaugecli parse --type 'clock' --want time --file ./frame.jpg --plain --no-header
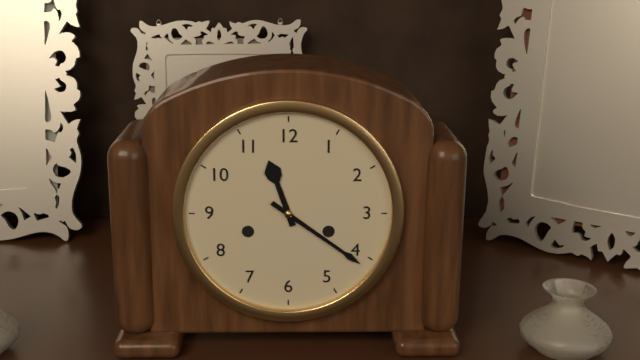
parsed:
11:21
